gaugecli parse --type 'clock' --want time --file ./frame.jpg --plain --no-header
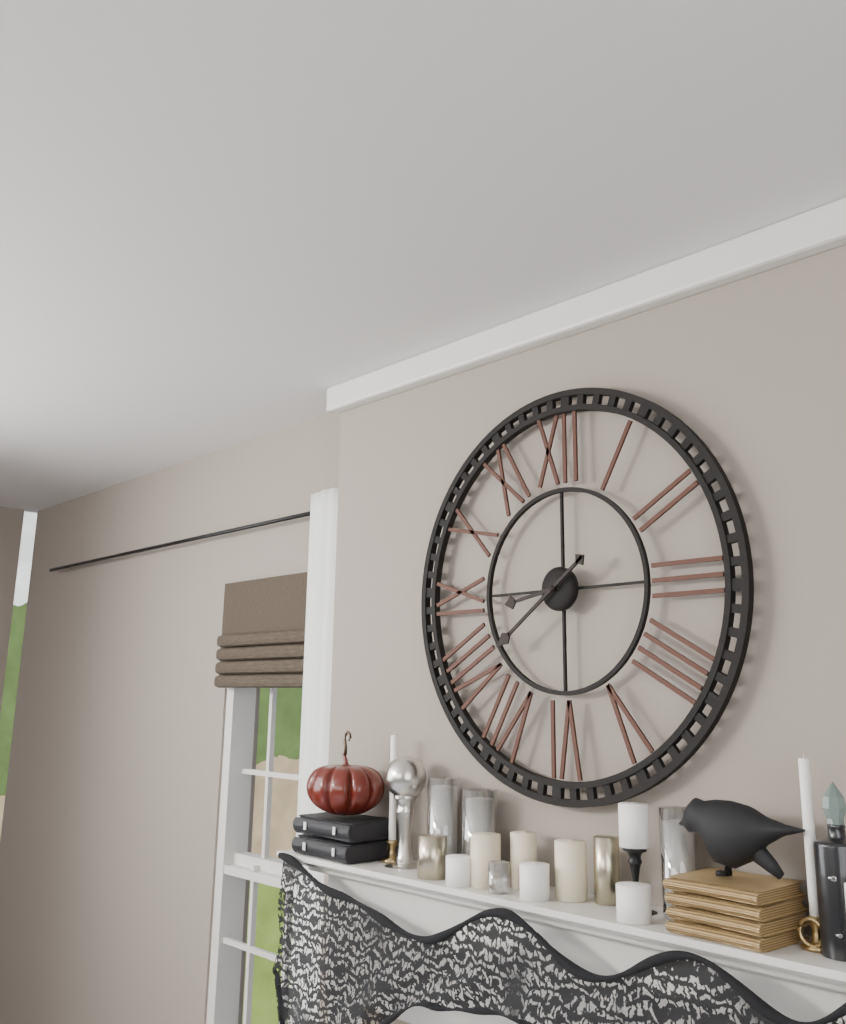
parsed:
8:39
